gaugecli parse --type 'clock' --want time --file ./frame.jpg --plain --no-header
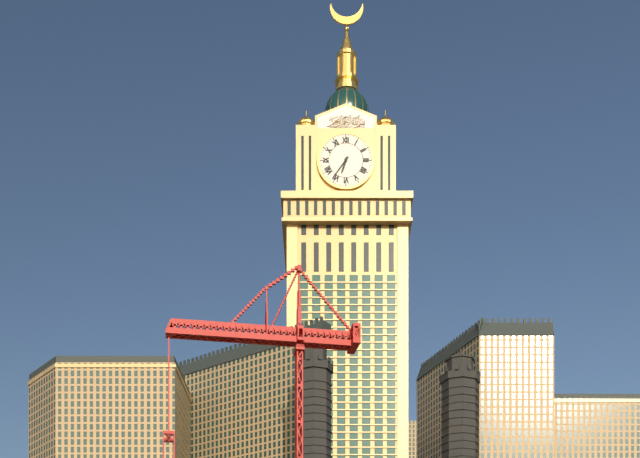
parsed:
6:36
